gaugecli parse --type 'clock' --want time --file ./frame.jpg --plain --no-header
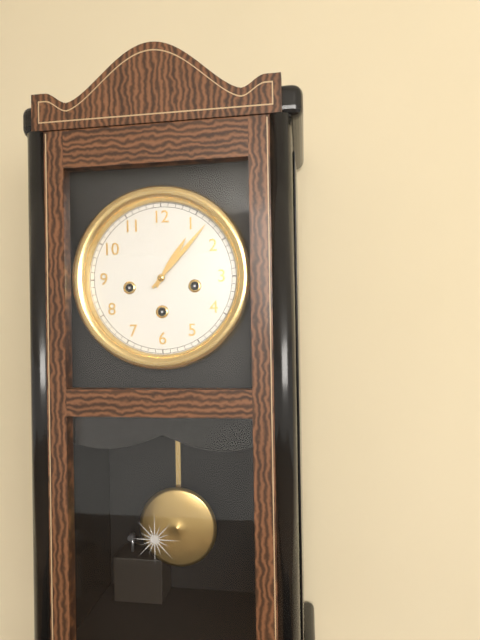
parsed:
1:07
